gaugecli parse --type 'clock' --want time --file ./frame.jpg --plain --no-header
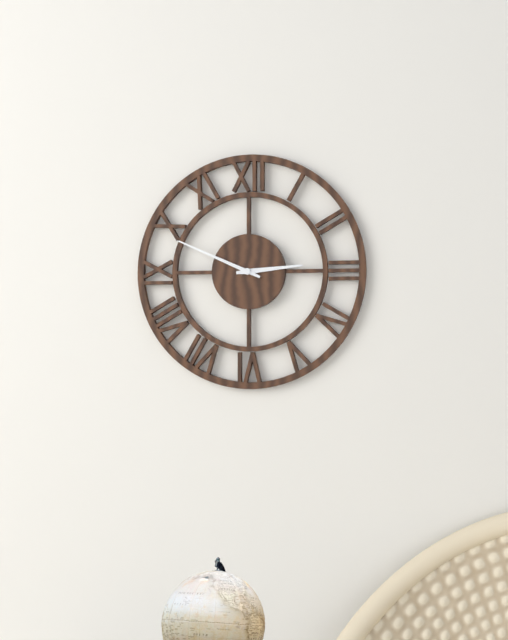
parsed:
2:49
